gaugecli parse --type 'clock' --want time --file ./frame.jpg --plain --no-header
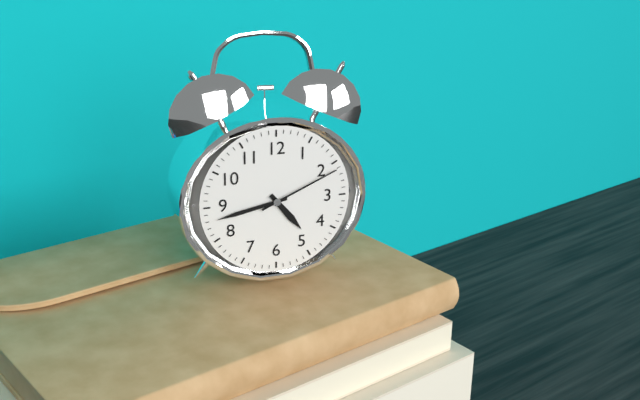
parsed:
4:43:11
